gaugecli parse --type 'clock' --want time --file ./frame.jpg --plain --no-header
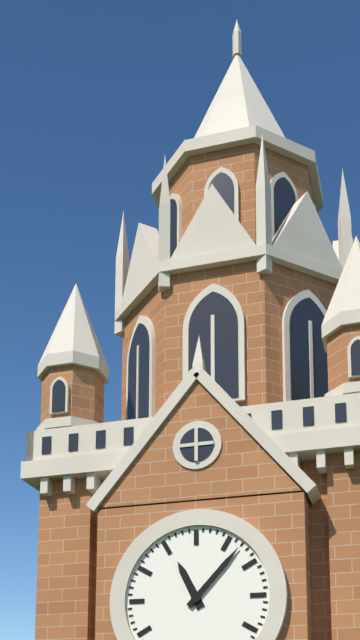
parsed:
11:07
